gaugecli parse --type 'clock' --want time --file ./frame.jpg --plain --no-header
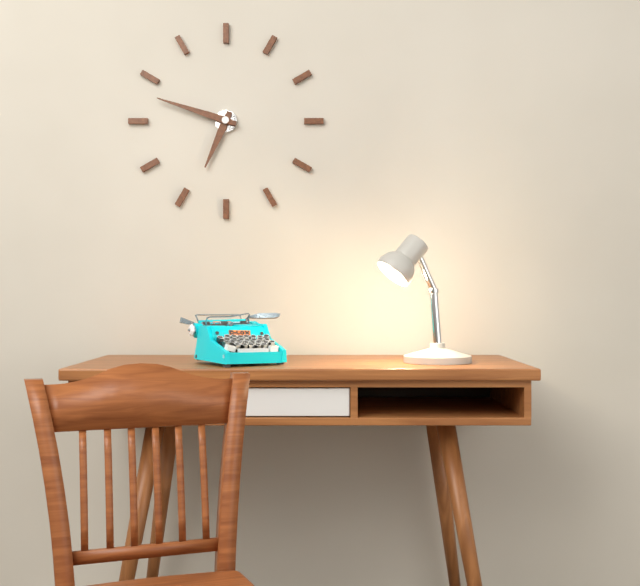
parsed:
6:48
